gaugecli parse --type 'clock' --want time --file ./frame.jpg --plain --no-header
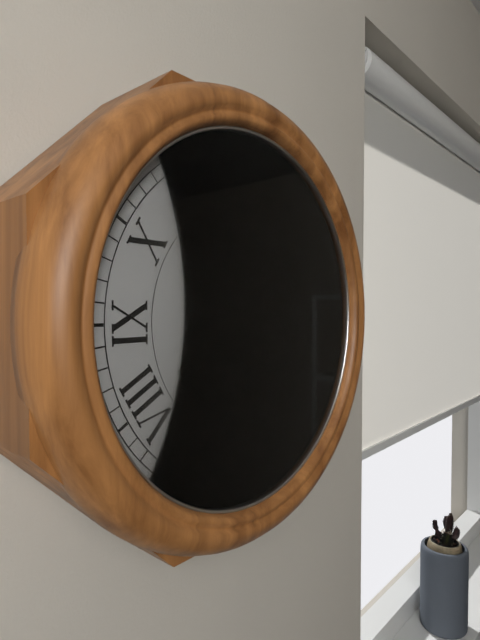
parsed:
8:06
